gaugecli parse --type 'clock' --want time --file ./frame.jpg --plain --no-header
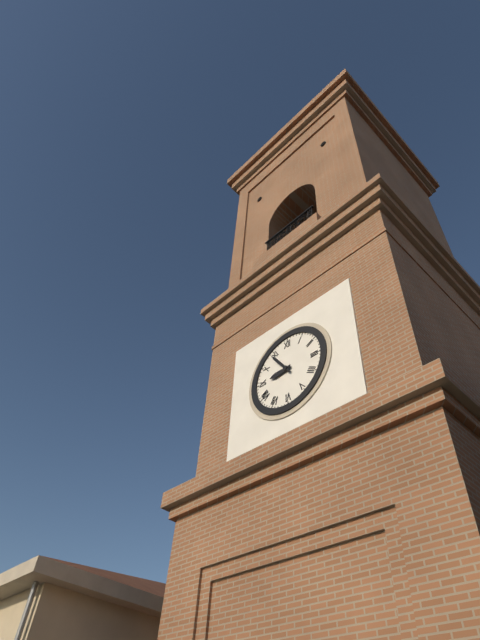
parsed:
8:54
